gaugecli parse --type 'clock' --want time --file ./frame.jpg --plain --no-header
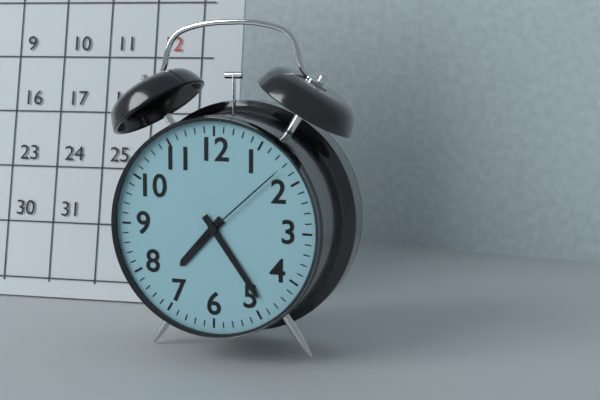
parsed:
7:24:08
